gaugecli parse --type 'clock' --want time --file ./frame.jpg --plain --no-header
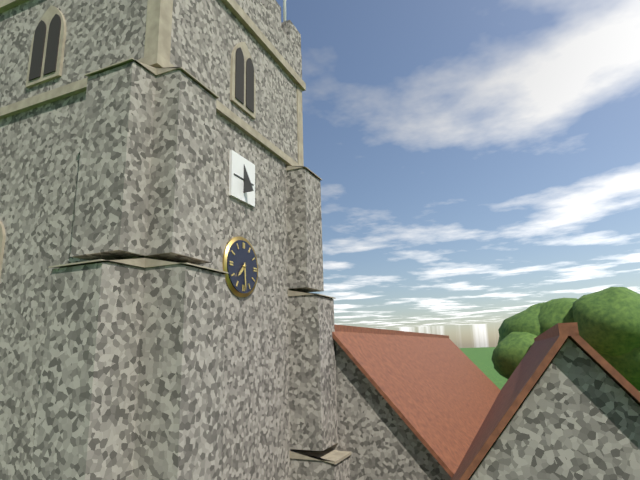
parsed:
7:29
